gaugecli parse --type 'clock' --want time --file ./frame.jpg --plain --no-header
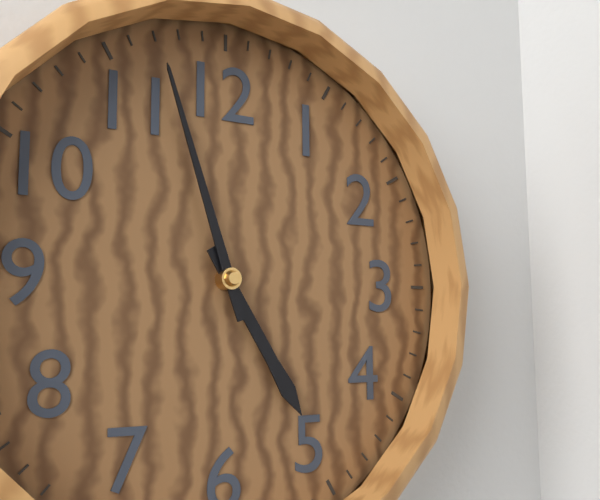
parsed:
4:57
